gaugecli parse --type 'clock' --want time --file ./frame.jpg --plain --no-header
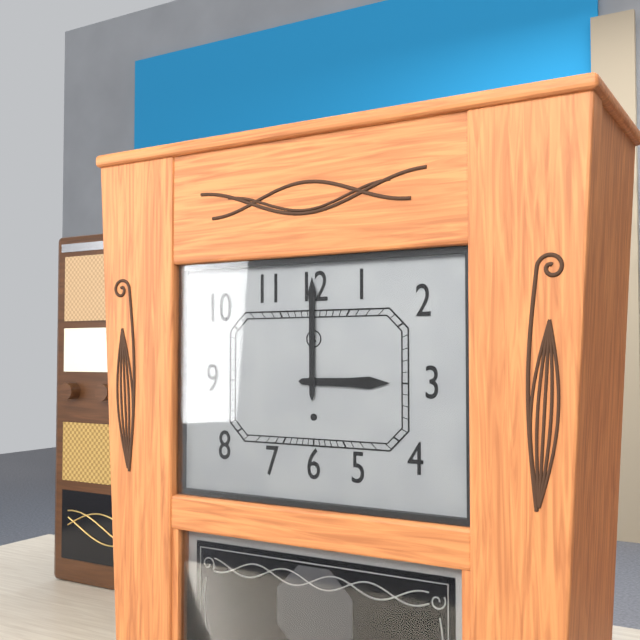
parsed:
3:00
